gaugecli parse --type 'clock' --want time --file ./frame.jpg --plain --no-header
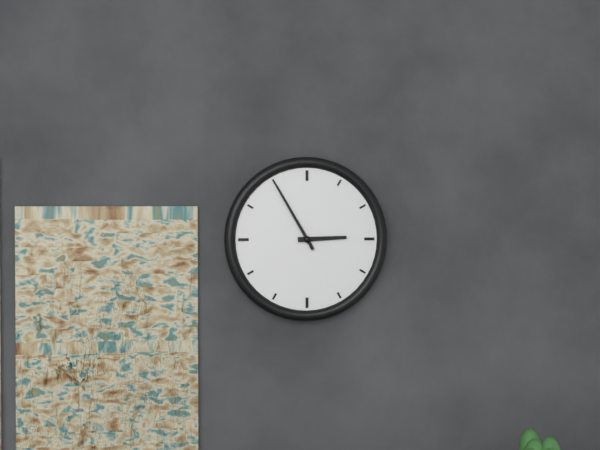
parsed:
2:55
